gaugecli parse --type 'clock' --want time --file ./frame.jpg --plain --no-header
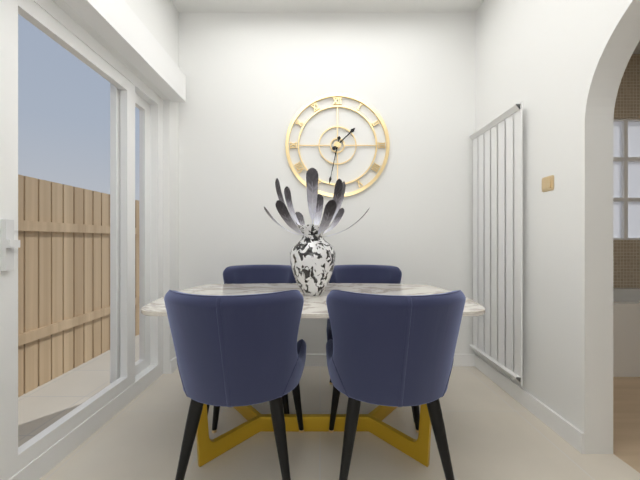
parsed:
1:32
